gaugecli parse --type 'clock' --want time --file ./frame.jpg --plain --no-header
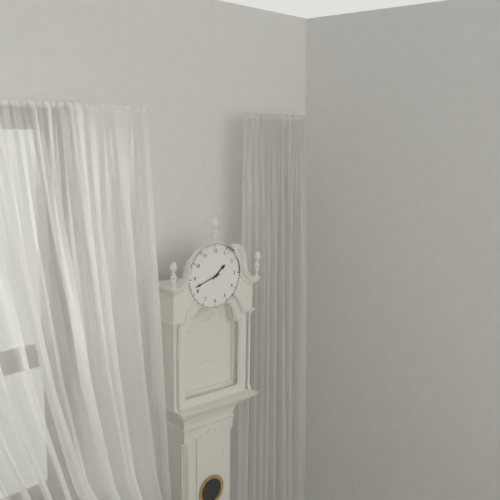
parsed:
1:42
